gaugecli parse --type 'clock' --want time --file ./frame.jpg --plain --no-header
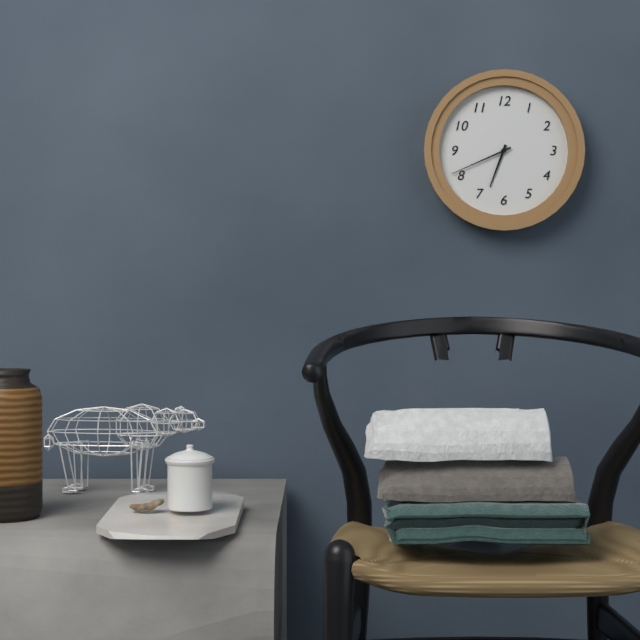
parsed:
6:41
